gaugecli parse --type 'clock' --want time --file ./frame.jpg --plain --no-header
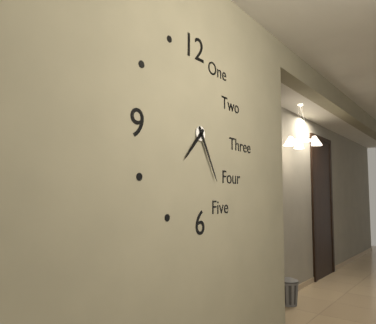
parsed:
7:25
